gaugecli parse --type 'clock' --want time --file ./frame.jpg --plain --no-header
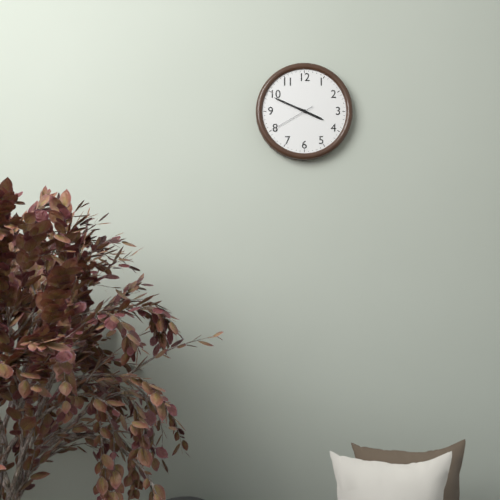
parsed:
3:49
